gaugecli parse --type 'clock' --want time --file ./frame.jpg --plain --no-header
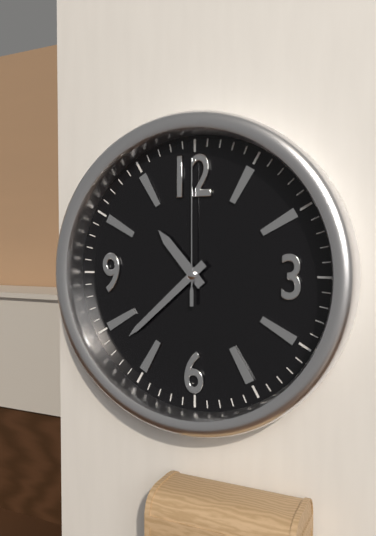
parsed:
10:38:00
